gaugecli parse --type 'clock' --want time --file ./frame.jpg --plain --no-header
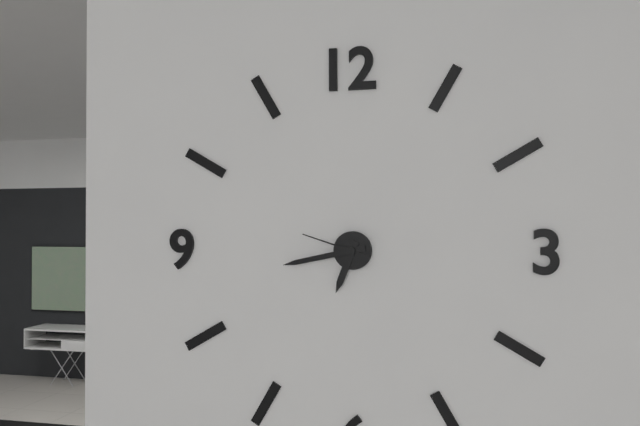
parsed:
6:43:48
